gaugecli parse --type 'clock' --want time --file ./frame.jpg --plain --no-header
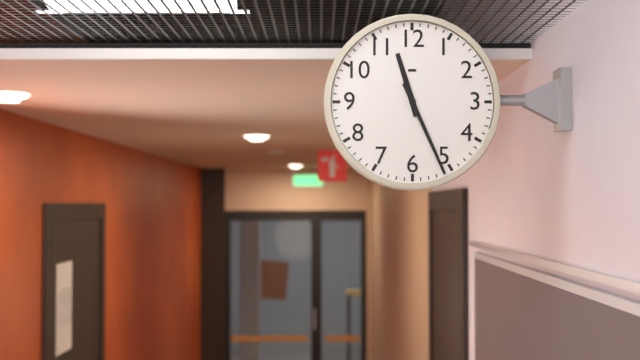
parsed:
11:26
